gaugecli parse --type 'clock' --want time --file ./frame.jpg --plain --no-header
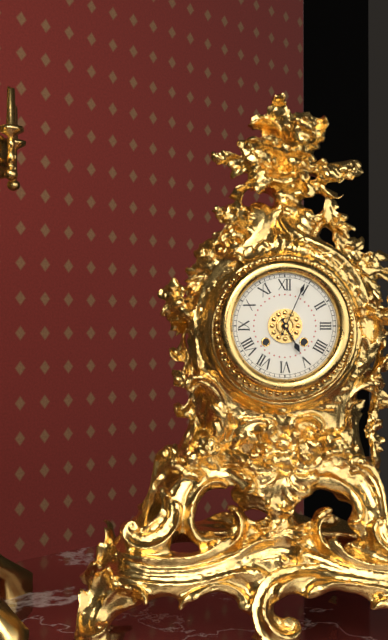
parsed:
5:04
